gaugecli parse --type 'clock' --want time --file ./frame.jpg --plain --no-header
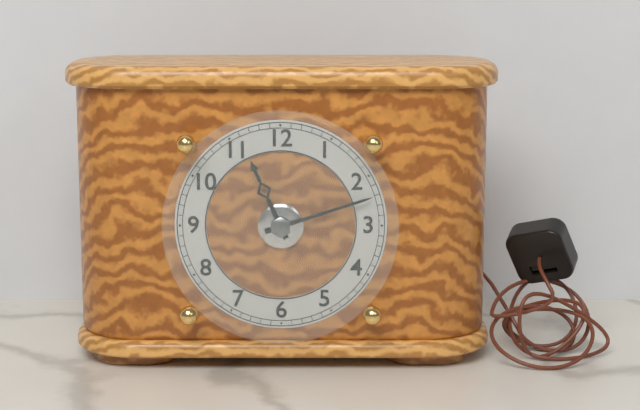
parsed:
11:12
